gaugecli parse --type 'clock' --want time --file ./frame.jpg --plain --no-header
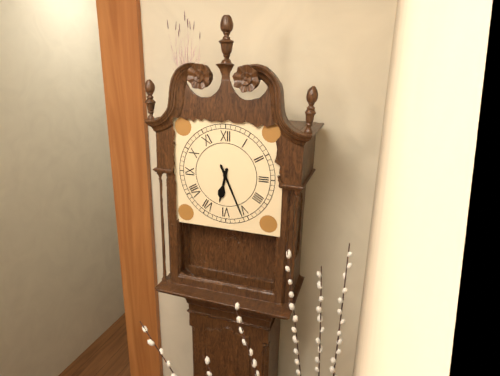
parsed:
6:26
